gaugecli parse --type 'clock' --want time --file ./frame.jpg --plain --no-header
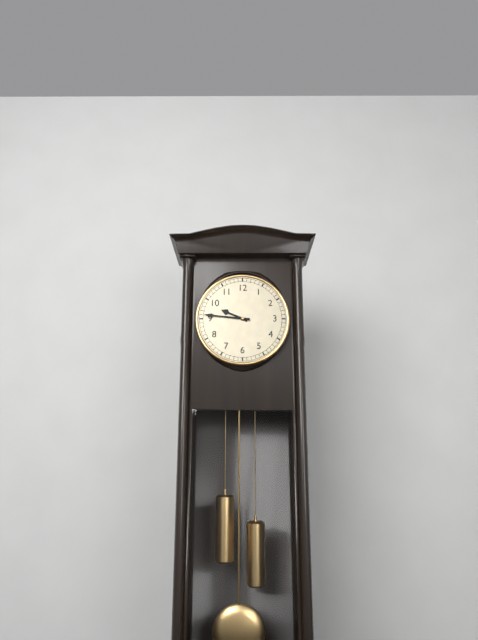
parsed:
9:46
